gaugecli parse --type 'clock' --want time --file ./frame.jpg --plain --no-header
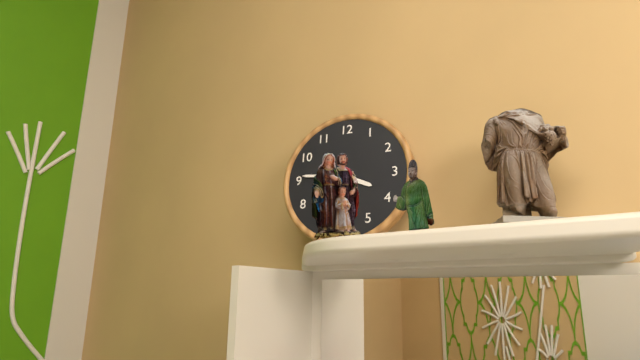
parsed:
3:46
